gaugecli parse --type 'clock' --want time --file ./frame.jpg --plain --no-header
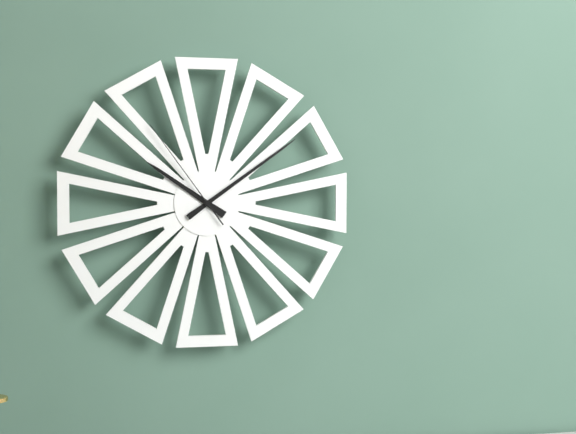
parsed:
10:09:54
